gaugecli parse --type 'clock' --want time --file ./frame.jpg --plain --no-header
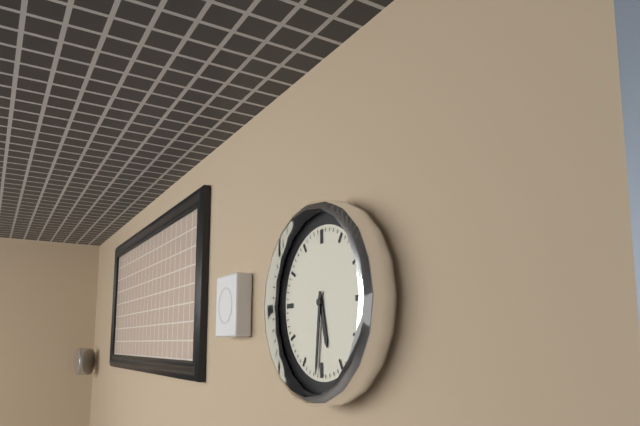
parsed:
5:31
